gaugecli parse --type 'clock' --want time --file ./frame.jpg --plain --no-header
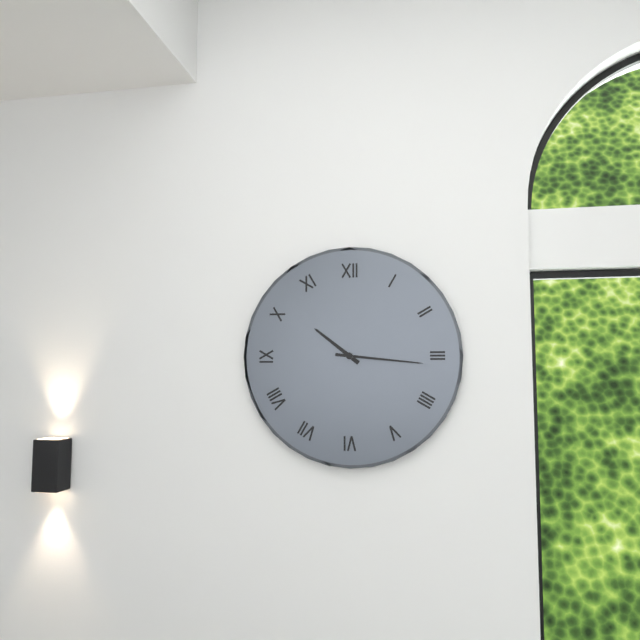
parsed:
10:16
